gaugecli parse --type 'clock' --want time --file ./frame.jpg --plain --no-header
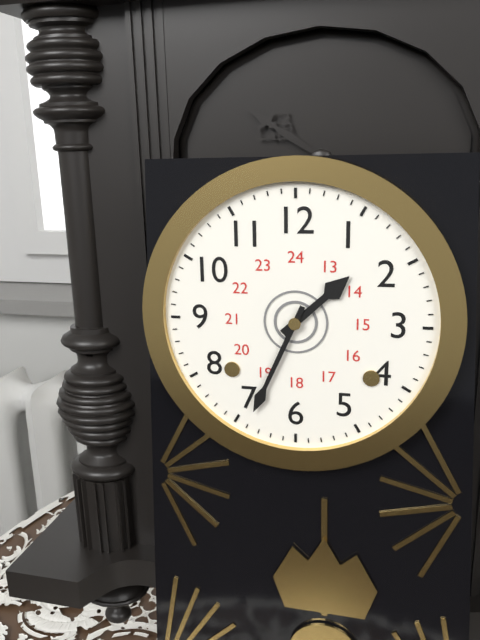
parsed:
1:34
